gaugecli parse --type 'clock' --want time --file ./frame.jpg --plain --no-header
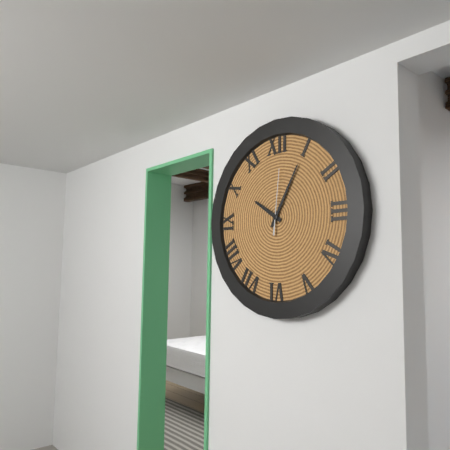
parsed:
10:05:01
